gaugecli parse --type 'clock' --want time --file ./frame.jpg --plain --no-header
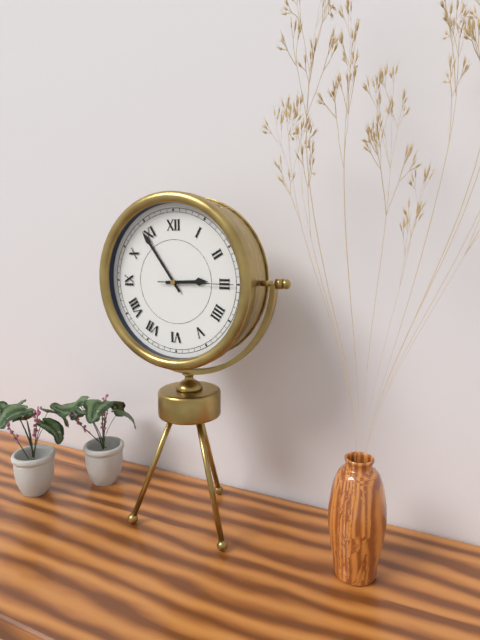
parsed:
2:54:15
